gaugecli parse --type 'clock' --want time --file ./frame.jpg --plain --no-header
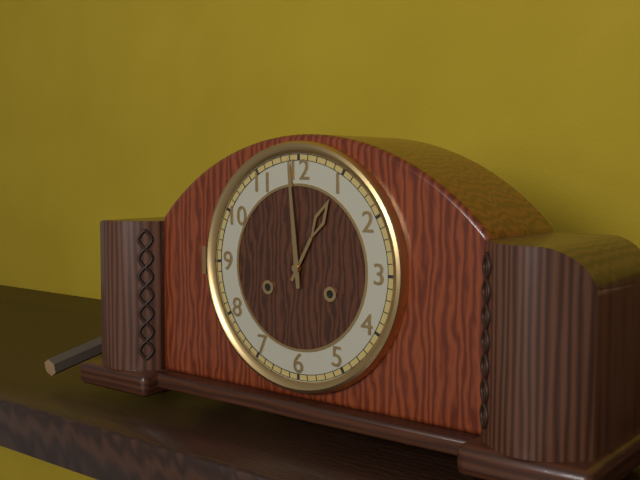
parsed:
12:59
